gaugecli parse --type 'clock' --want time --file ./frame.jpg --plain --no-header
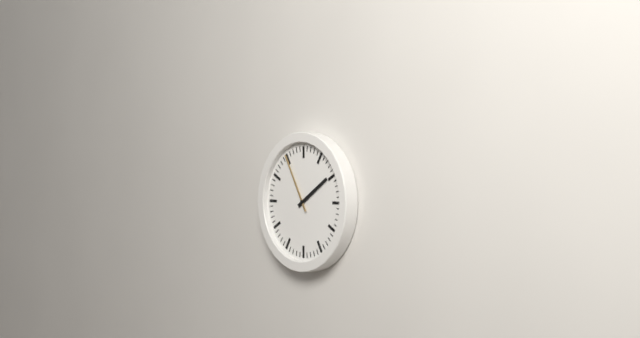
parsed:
1:55
